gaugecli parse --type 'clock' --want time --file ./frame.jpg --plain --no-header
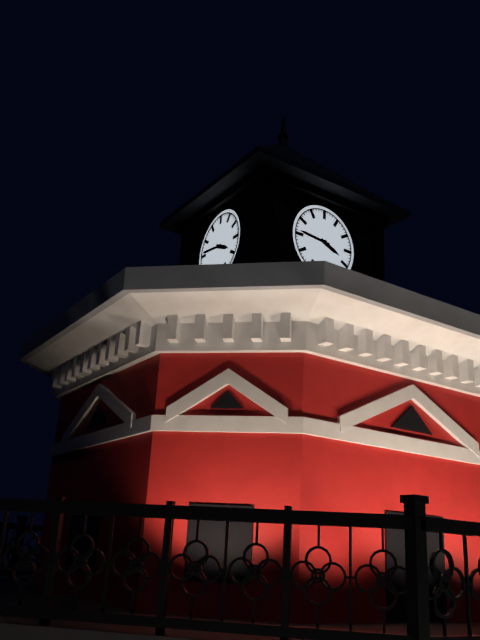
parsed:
3:46
